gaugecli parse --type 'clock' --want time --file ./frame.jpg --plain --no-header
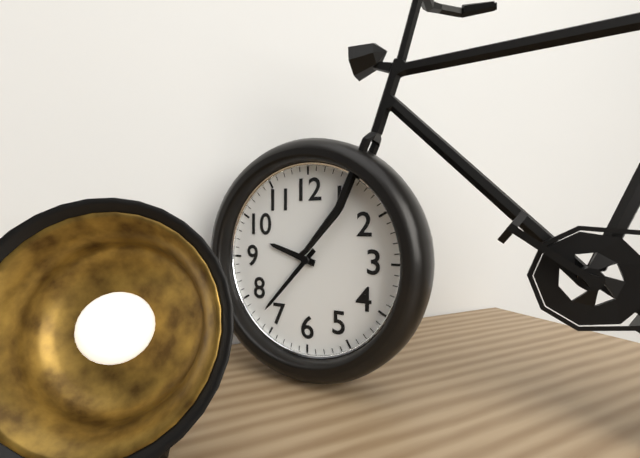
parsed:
9:37
